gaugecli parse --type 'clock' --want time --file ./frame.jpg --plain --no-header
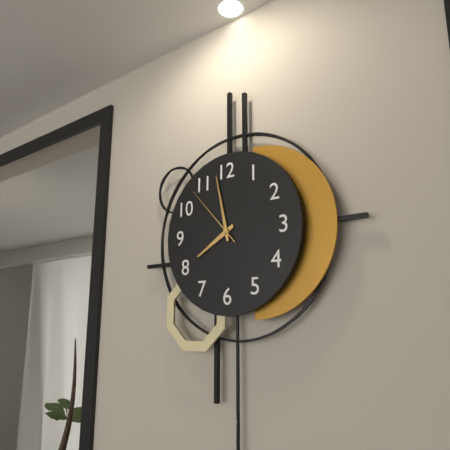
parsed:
7:58:53
